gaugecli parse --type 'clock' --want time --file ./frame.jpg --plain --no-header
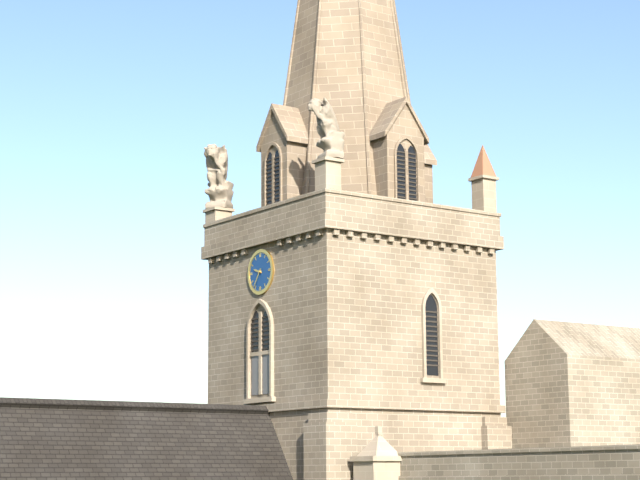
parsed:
9:36
